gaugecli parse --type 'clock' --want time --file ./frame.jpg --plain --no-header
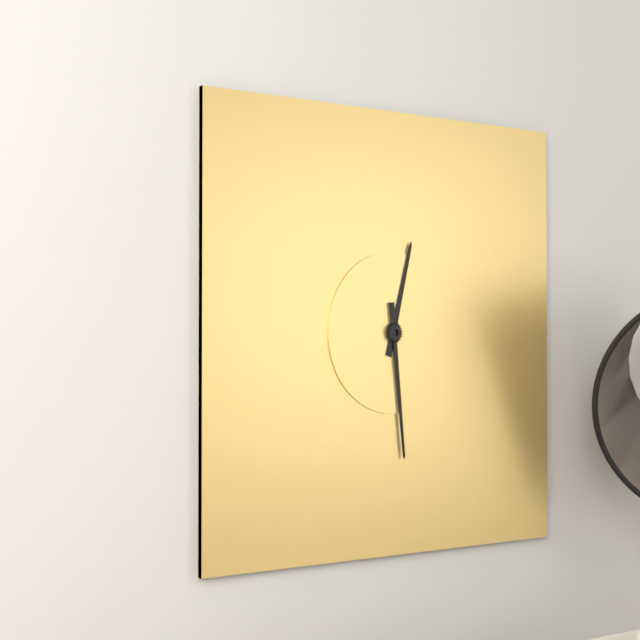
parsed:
12:29
